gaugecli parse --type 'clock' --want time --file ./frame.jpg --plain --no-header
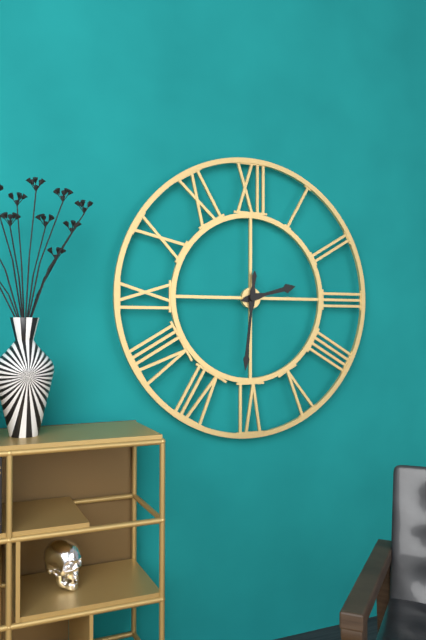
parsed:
2:31
